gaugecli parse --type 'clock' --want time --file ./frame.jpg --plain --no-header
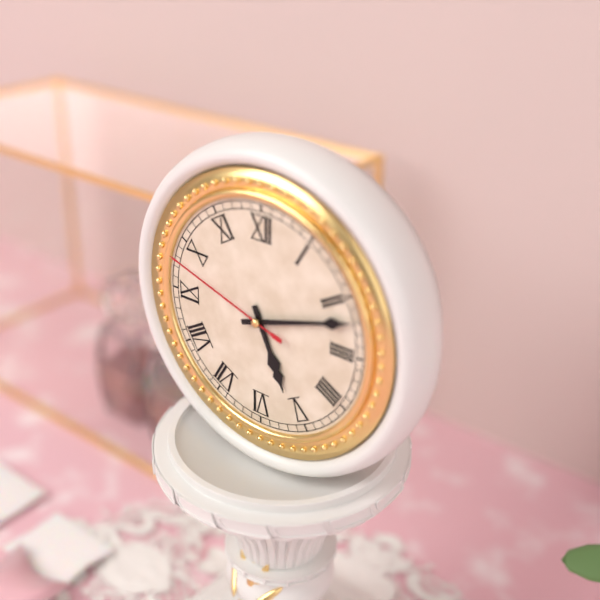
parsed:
5:12:48
